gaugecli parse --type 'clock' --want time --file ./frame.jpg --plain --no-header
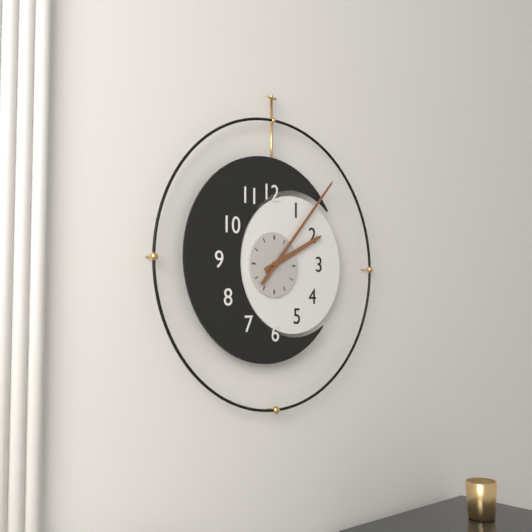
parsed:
2:07
